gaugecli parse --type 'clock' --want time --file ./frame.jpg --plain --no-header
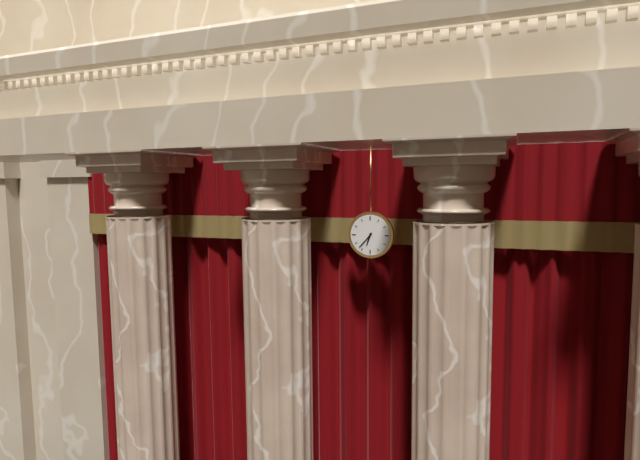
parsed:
6:37
